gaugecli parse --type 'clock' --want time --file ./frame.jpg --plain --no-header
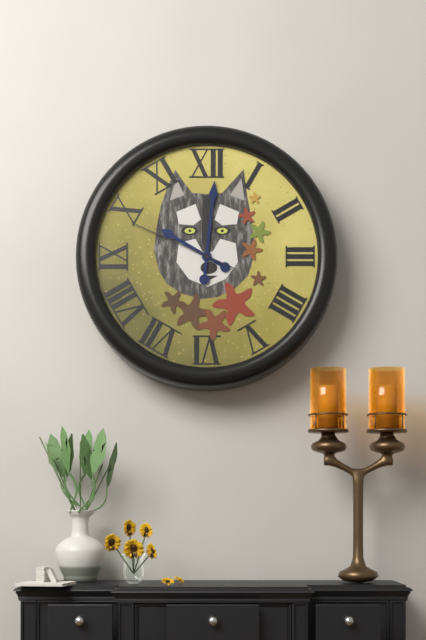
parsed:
10:01:49
